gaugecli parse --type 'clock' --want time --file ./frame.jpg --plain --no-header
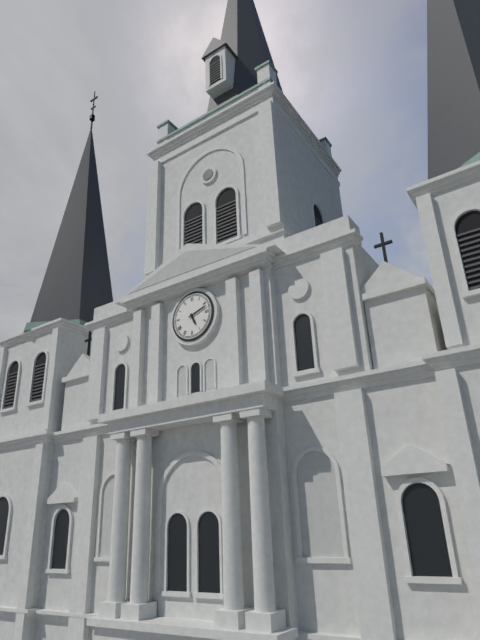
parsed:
5:12
